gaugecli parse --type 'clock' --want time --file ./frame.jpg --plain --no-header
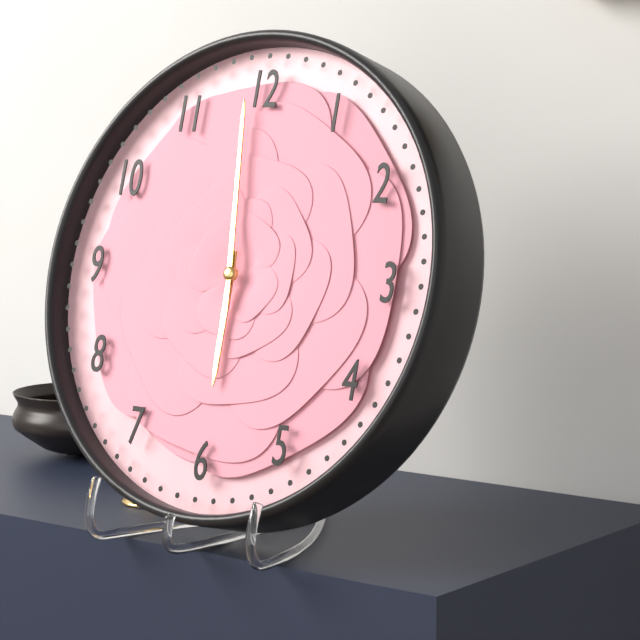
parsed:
5:59
